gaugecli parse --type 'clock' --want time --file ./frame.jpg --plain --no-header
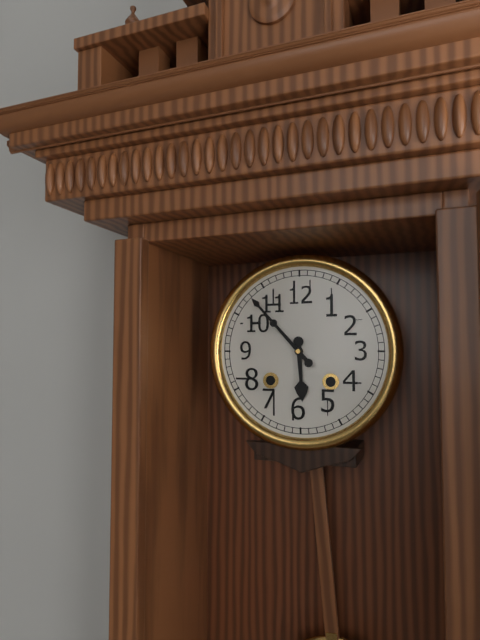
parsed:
5:53
